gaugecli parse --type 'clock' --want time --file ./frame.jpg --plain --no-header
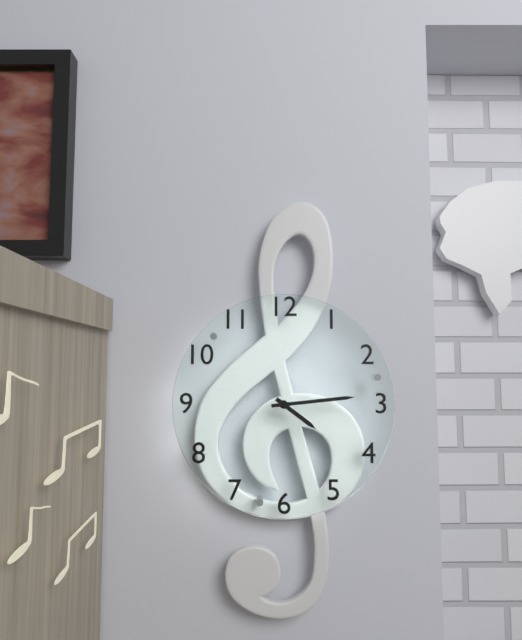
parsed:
4:14
